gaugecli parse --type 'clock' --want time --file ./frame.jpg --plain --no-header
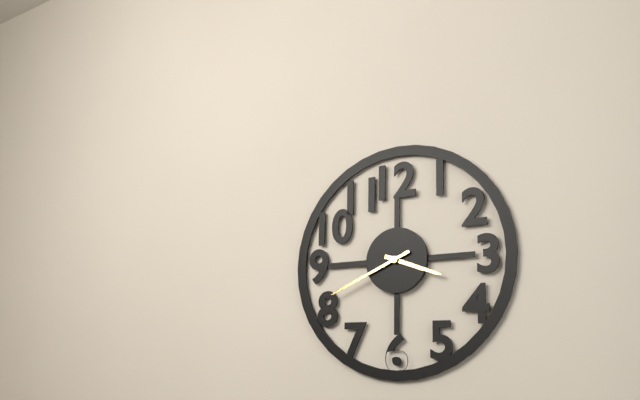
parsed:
3:41
